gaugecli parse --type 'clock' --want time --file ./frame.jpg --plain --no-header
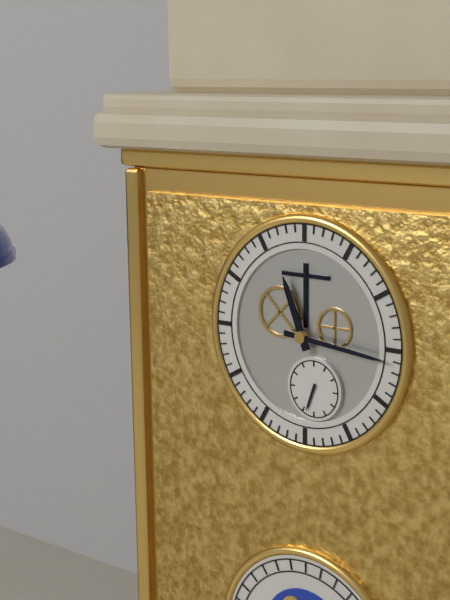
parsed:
11:16
